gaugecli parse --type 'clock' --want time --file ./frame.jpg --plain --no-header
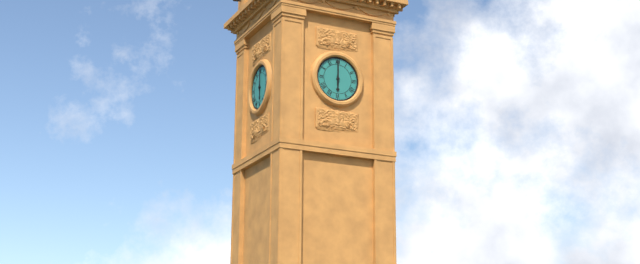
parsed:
6:00
